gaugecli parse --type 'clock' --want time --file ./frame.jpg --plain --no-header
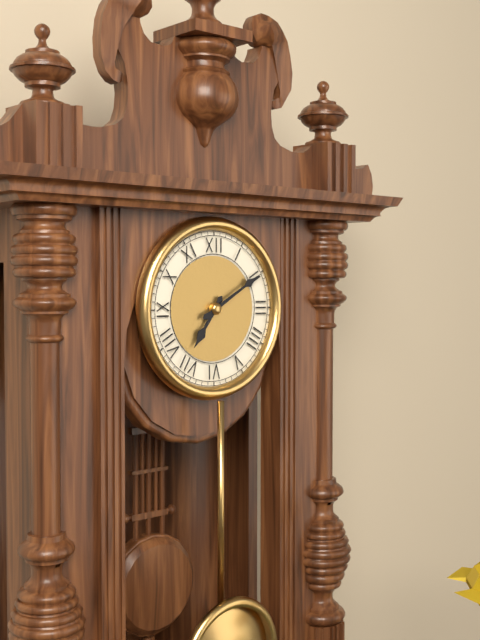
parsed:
7:10
